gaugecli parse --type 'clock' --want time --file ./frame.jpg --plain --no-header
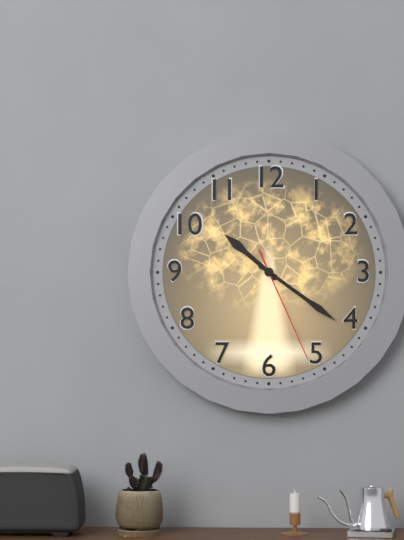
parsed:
10:21:26
